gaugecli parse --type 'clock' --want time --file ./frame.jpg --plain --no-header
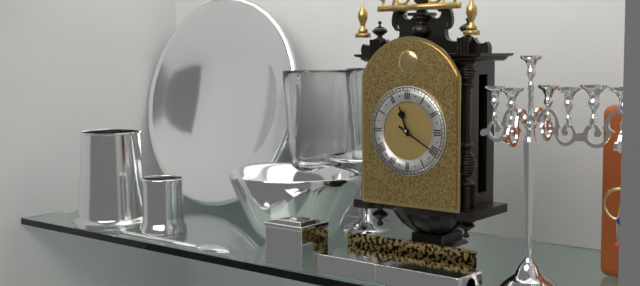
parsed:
11:20
